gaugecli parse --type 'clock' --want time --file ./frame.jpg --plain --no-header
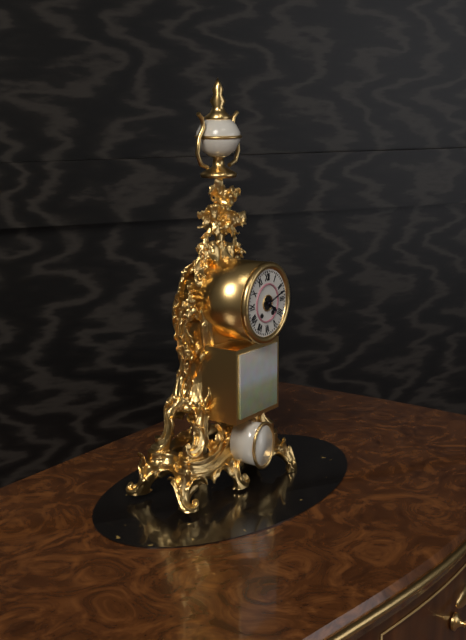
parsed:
4:12
